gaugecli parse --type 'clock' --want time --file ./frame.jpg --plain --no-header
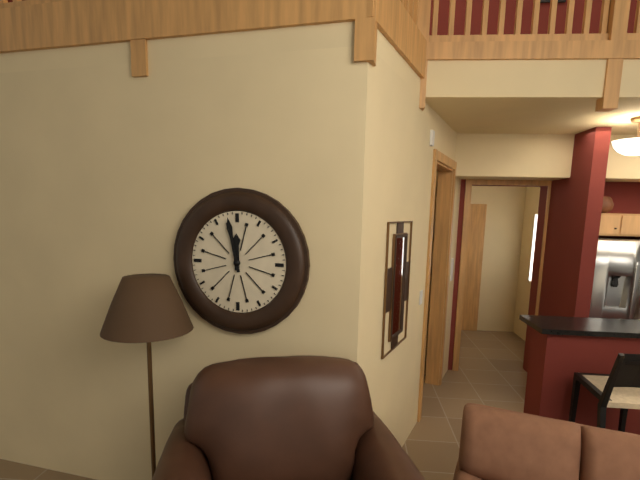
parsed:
11:58
